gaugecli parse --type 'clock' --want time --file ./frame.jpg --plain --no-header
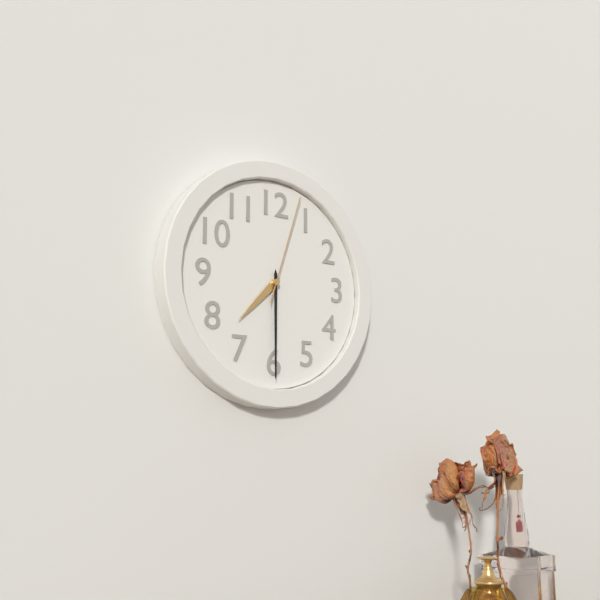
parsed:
7:30:03
